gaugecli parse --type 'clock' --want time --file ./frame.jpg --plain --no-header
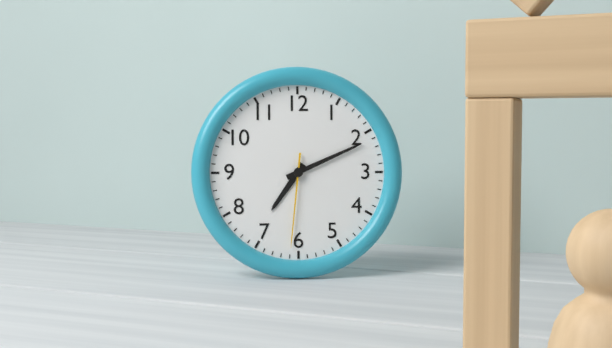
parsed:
7:11:31
